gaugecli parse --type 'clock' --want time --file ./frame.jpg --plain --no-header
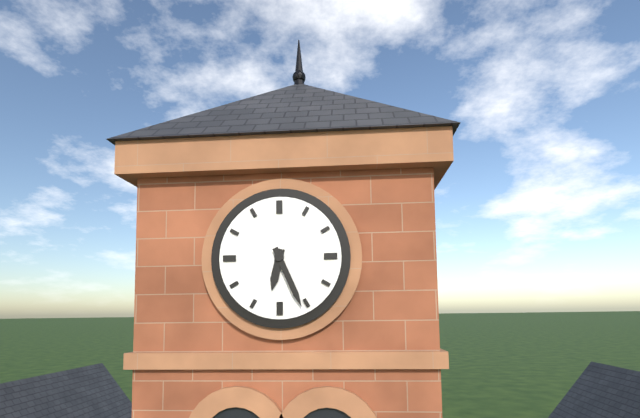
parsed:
6:26
